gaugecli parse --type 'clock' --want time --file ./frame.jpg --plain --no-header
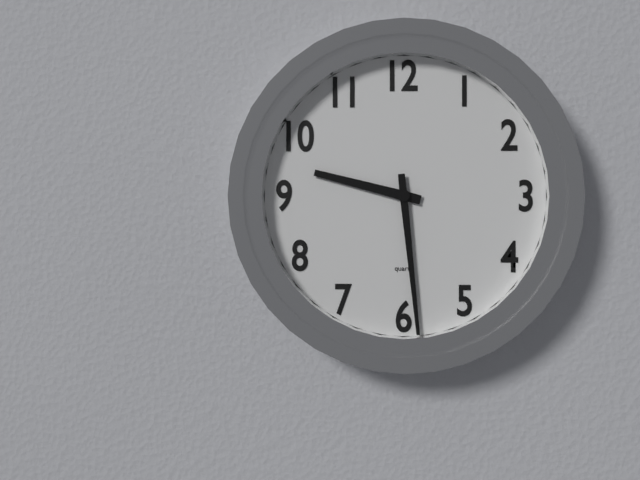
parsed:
9:29
